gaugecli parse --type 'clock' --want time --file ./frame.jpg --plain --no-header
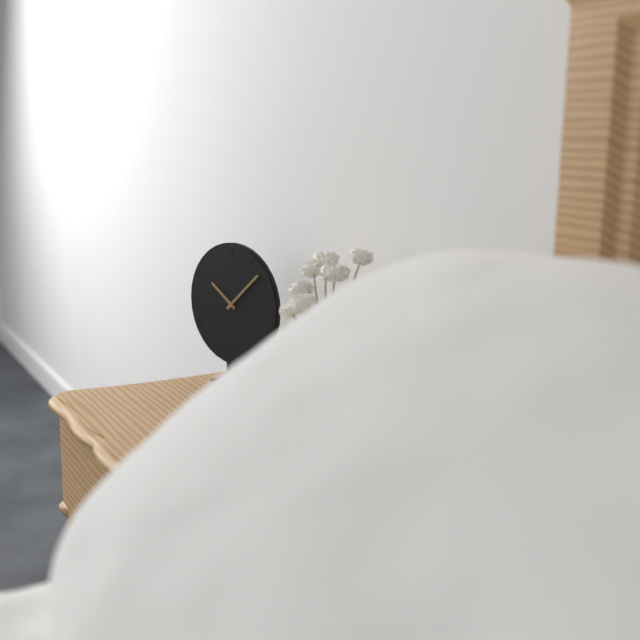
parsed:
10:08
